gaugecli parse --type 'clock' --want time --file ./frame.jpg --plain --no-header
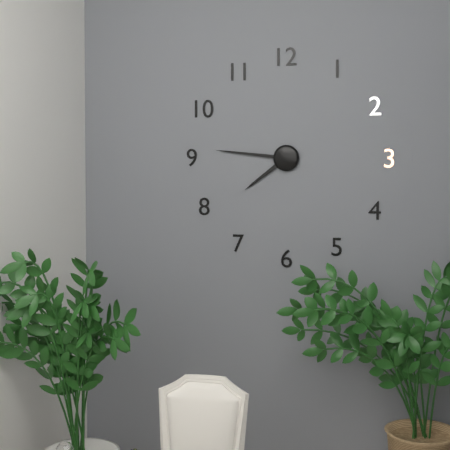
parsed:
7:46
